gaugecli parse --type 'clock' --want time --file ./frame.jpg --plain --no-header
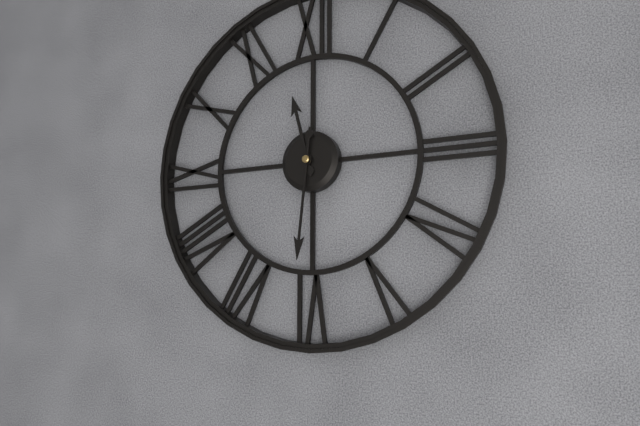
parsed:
11:31
